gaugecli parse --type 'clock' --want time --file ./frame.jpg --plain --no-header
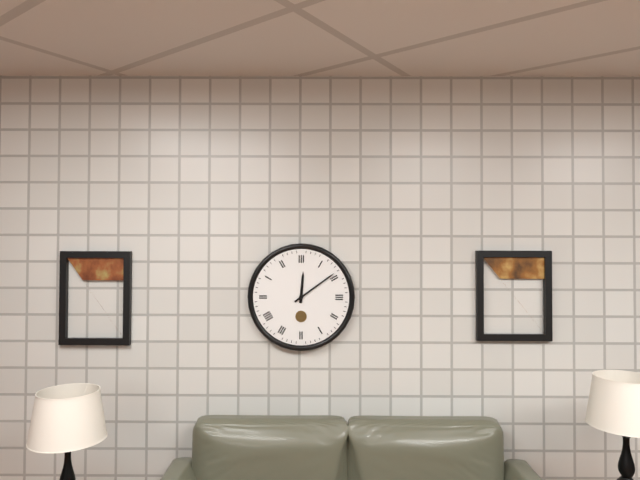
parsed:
12:09
